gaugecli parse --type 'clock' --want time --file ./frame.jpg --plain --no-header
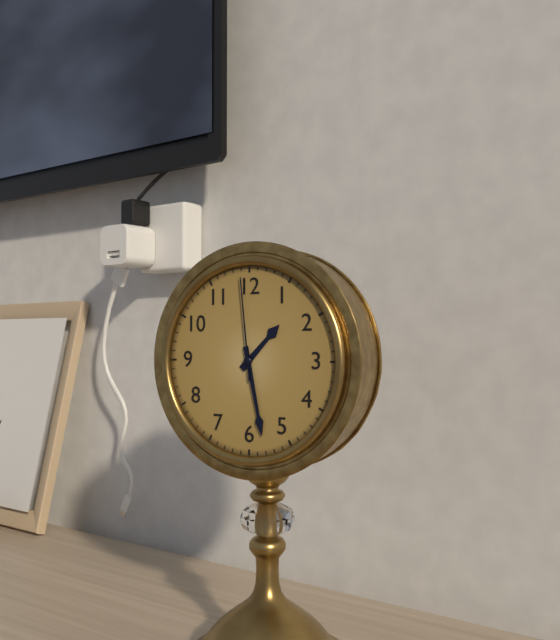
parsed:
1:28:59
